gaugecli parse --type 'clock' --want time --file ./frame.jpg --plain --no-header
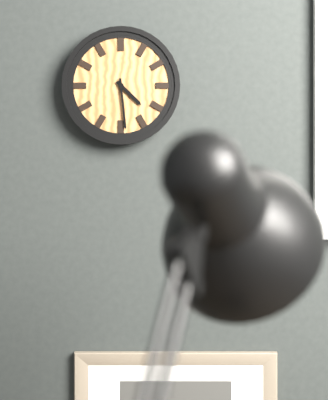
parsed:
4:29
